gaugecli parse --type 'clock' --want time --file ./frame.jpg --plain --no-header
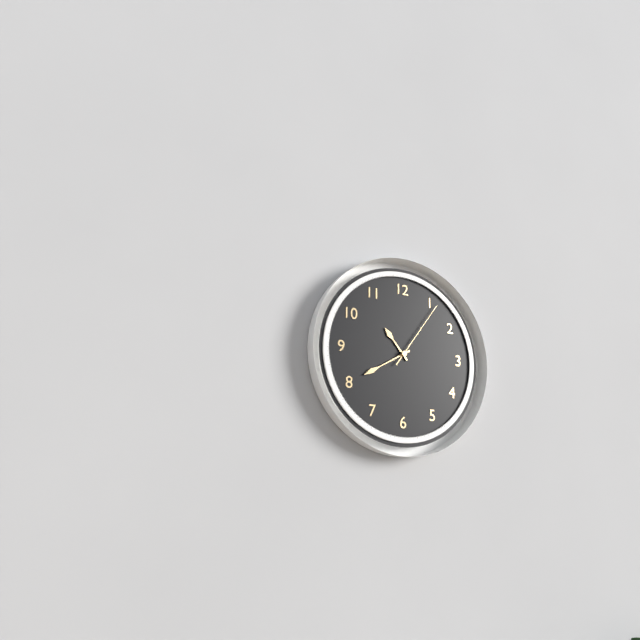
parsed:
10:40:06
